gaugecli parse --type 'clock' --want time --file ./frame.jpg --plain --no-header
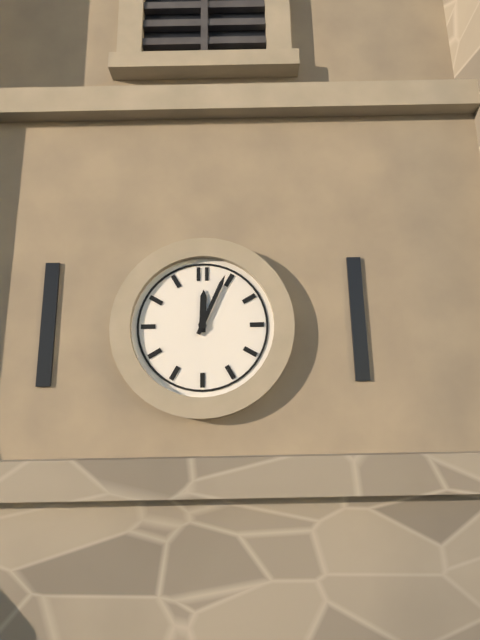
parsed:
12:04
